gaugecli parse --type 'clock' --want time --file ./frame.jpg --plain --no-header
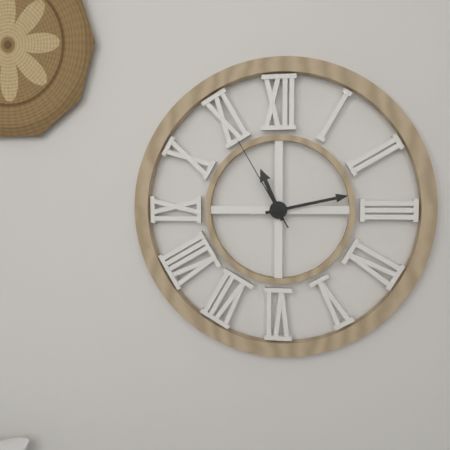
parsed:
11:13:55
